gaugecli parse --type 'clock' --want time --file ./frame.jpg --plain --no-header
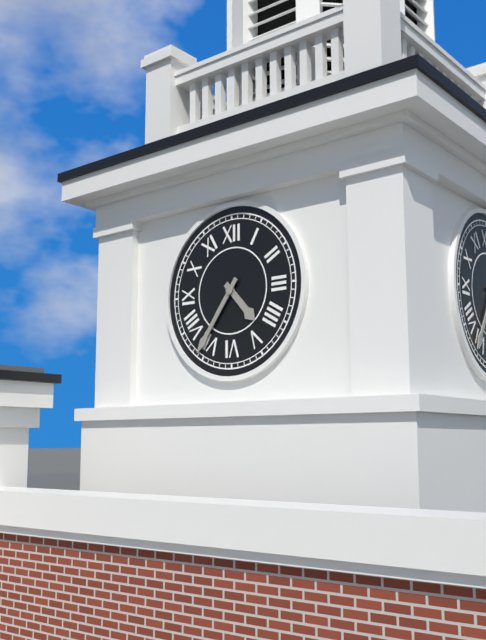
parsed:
4:36
